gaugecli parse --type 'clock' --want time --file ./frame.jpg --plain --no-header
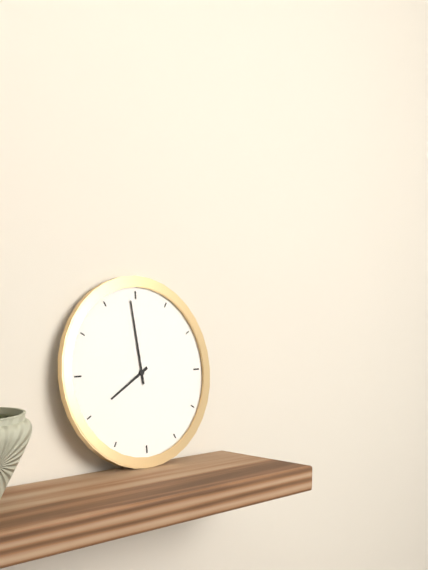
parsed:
7:59
